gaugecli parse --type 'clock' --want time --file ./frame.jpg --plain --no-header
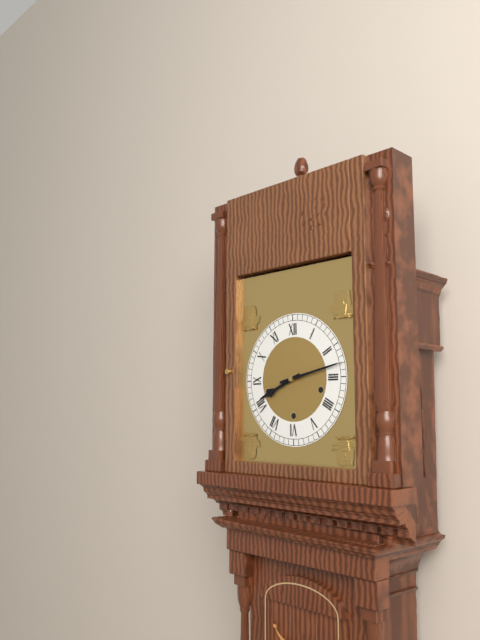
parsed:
8:13
